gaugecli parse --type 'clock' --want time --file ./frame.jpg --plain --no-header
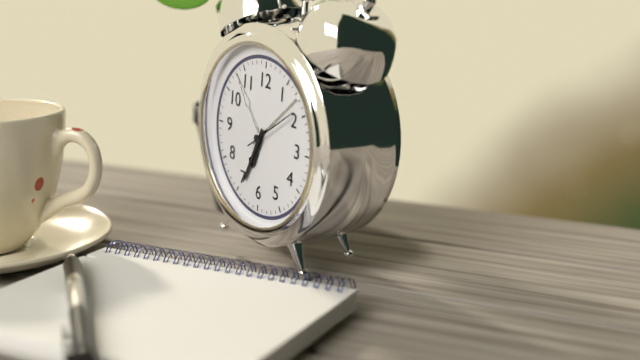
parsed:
6:34:09
